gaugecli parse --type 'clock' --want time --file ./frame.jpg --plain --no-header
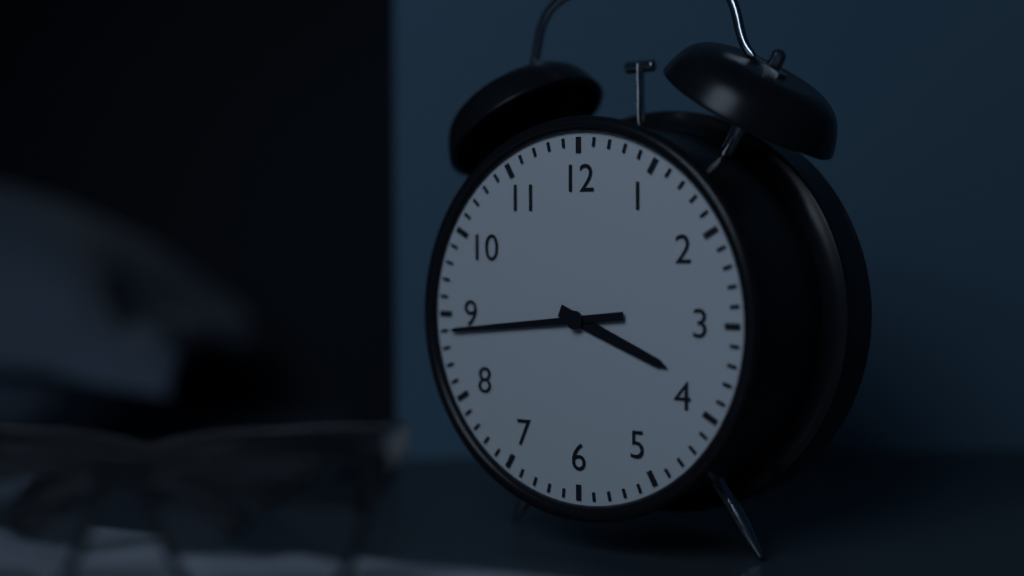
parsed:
3:44
